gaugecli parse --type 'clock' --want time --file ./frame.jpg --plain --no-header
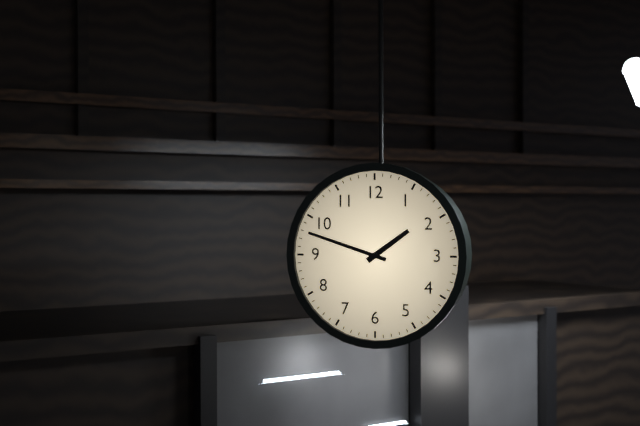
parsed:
1:48
